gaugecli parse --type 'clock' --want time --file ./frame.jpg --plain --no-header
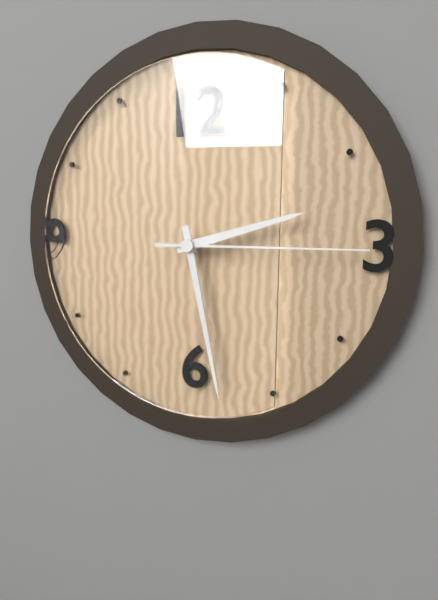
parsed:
2:28:15
